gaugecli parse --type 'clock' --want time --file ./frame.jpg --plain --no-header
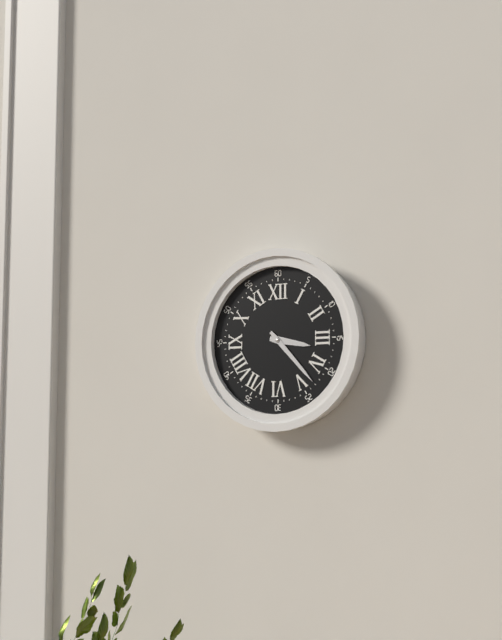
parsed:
3:23
